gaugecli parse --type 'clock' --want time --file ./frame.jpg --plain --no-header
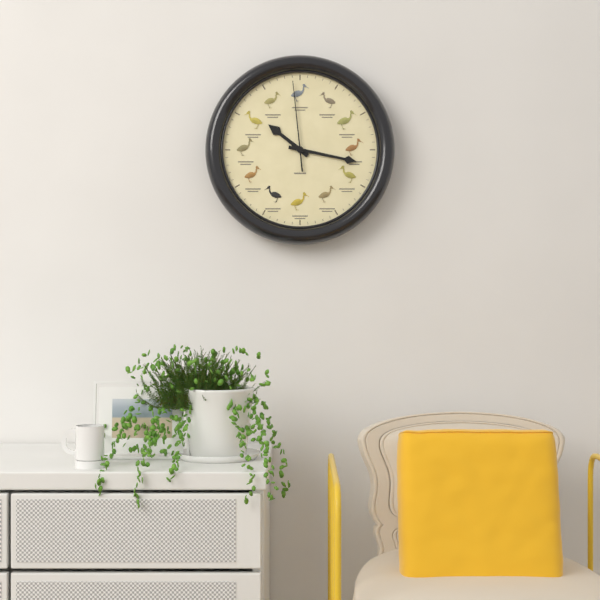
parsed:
10:17:59
